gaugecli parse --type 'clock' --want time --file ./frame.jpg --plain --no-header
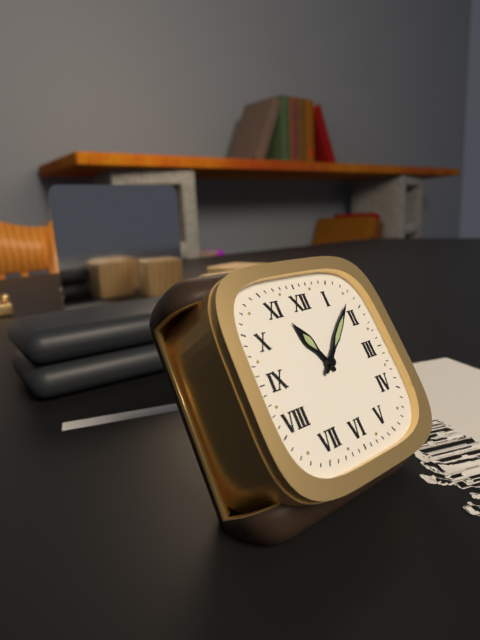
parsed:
11:08
